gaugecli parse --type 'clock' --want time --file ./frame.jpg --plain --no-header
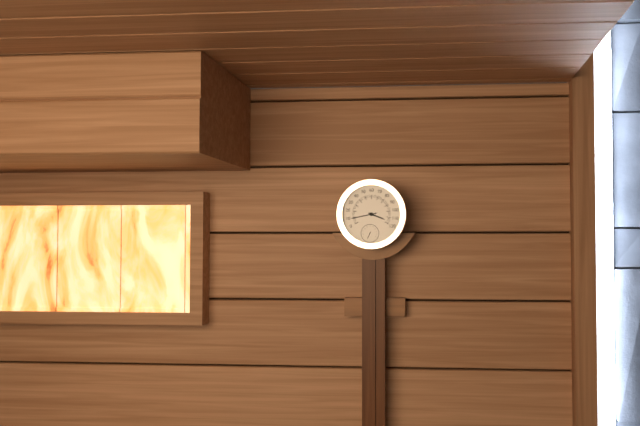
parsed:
3:43
